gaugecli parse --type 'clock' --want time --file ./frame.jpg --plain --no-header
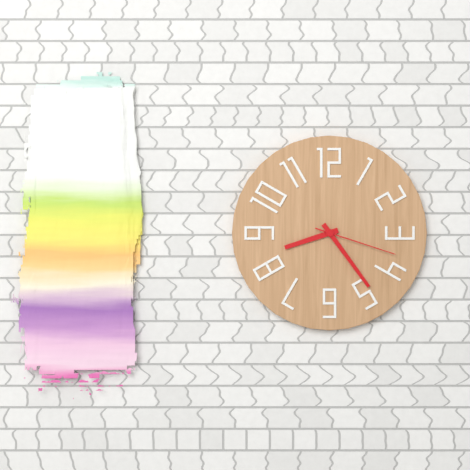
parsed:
8:24:18
